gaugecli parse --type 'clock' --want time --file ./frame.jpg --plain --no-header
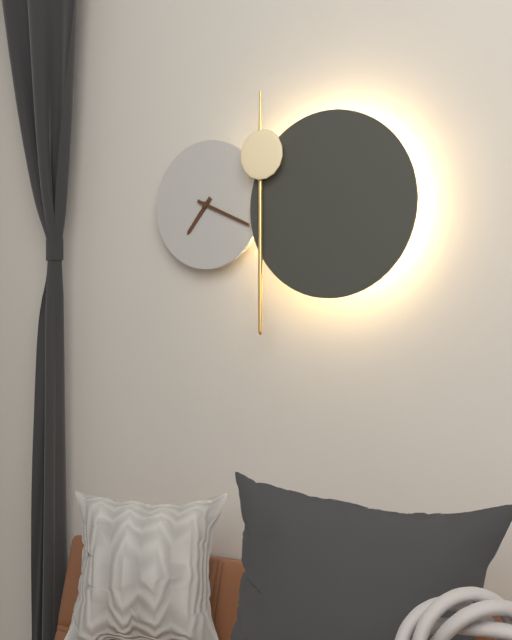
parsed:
7:19
